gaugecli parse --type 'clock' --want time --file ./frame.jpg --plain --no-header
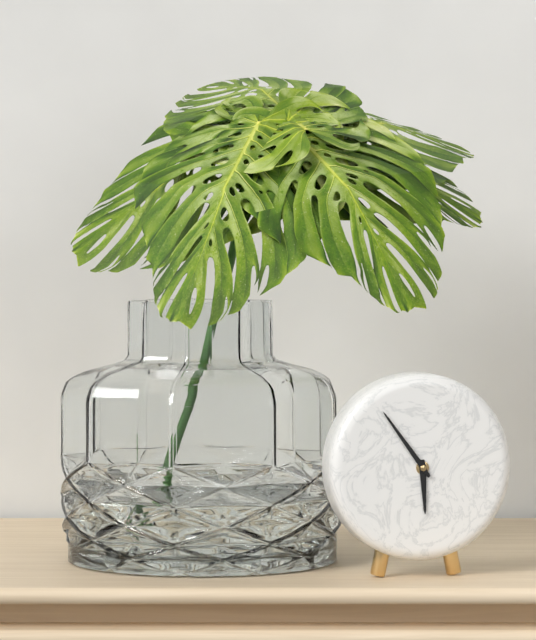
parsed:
5:54
